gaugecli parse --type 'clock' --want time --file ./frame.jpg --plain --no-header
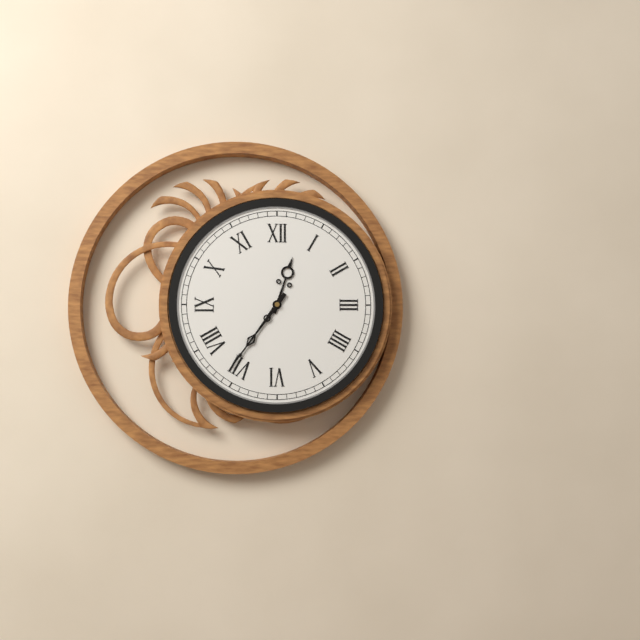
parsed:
12:36
